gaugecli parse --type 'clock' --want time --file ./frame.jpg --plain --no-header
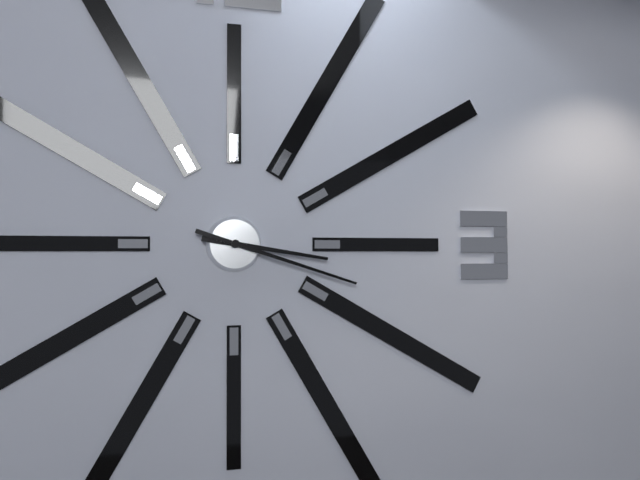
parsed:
3:18
